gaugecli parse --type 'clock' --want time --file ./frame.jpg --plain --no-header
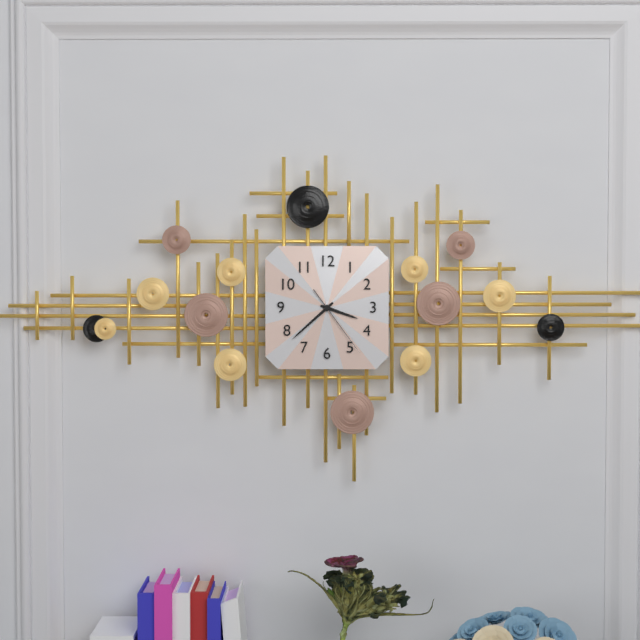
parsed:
3:38:24
